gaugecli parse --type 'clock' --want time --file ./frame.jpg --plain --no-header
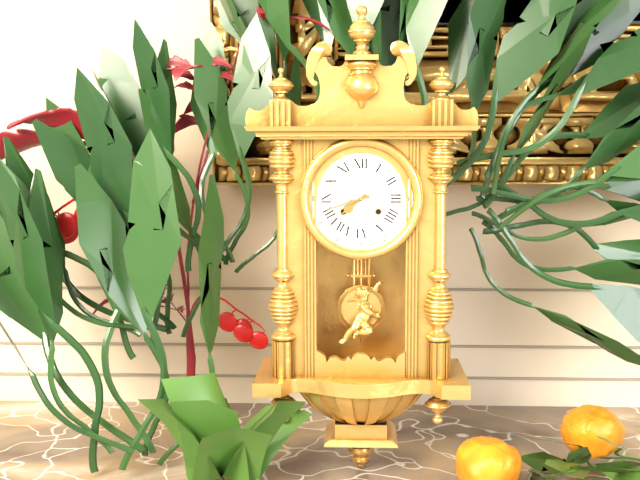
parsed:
7:42
